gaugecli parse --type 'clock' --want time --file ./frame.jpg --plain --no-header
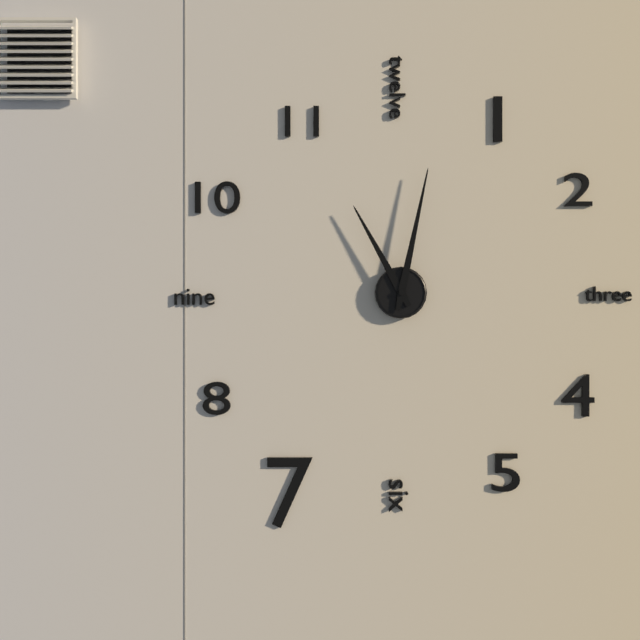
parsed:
11:02
